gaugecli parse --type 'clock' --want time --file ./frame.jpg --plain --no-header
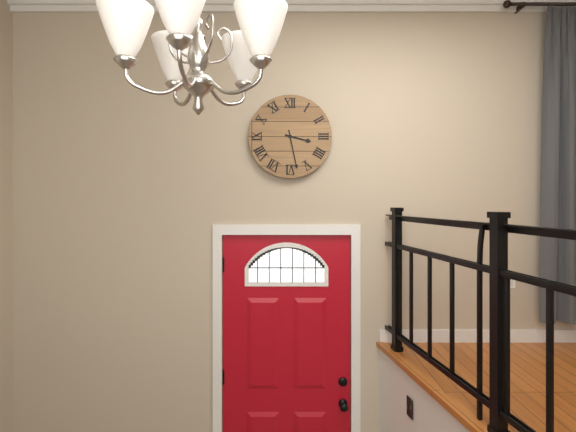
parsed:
3:28
